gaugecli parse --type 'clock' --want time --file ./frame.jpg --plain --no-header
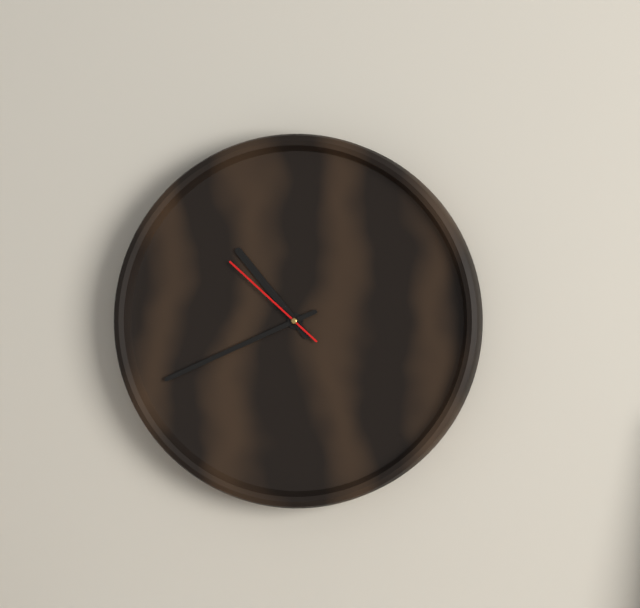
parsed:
10:41:52
